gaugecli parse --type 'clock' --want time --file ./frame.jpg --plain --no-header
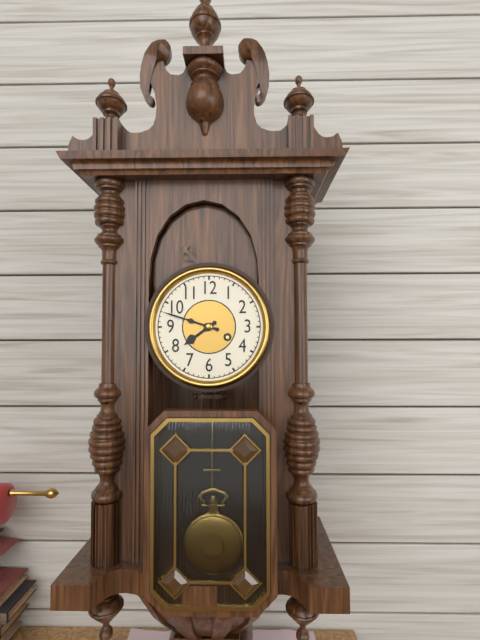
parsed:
7:48
